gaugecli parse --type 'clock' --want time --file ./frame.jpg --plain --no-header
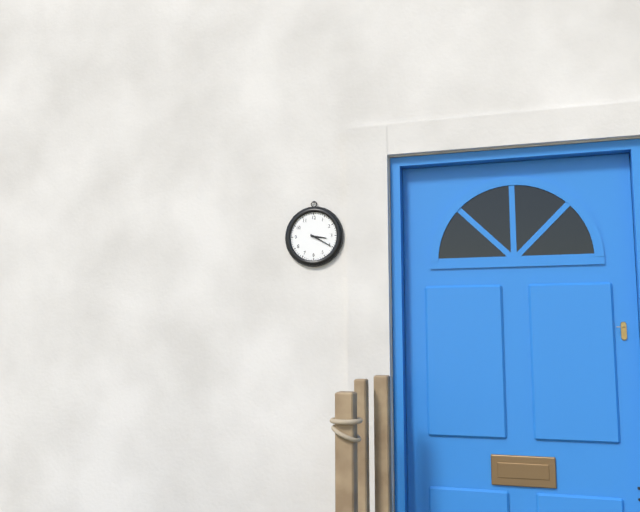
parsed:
3:20
